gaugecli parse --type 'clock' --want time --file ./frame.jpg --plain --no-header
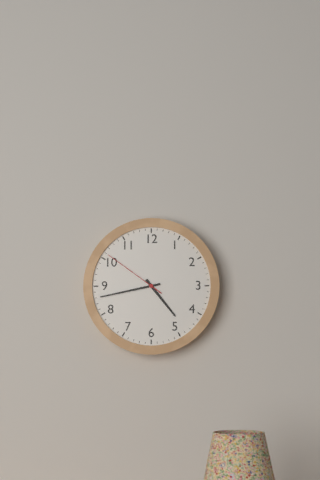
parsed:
4:43:51
